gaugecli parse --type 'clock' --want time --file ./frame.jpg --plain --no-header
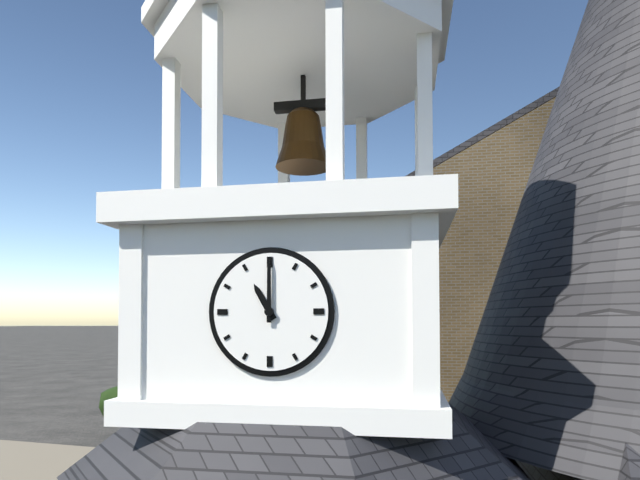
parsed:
11:00
